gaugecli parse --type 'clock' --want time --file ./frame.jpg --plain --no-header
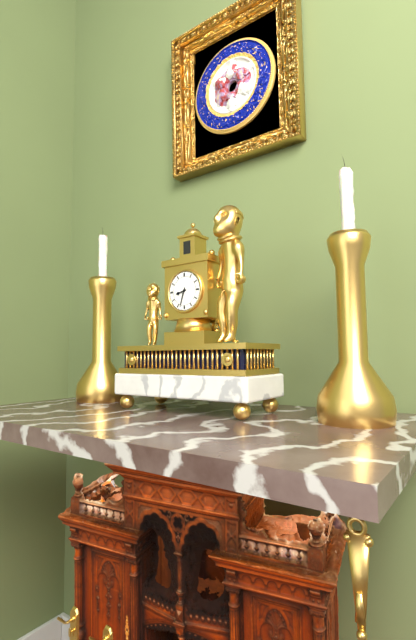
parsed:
8:33
